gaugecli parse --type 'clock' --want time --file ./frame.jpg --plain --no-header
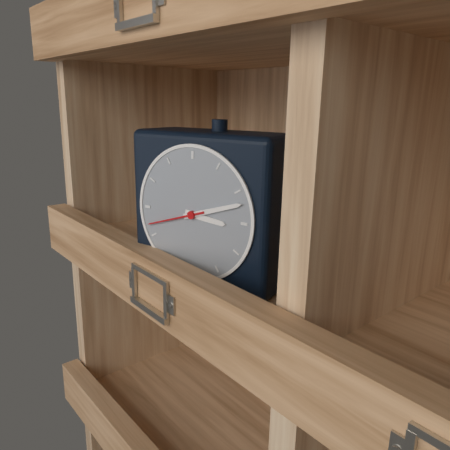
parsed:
3:12:42
